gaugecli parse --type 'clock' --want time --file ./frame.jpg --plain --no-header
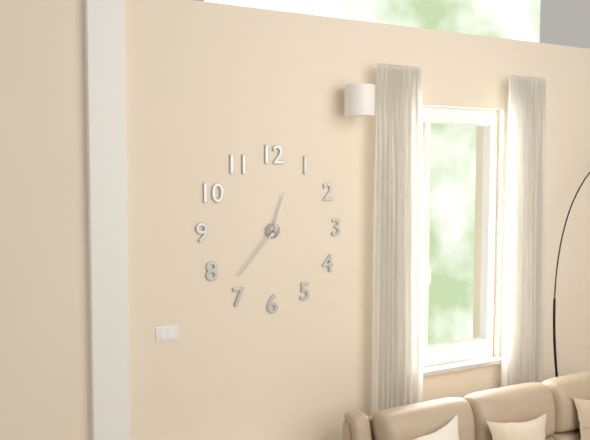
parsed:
12:37
